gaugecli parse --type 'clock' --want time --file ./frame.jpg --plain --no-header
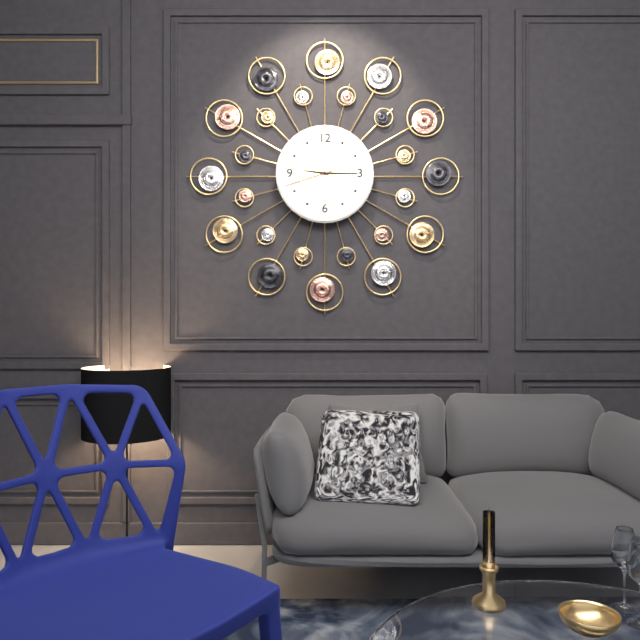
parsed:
9:15:42
